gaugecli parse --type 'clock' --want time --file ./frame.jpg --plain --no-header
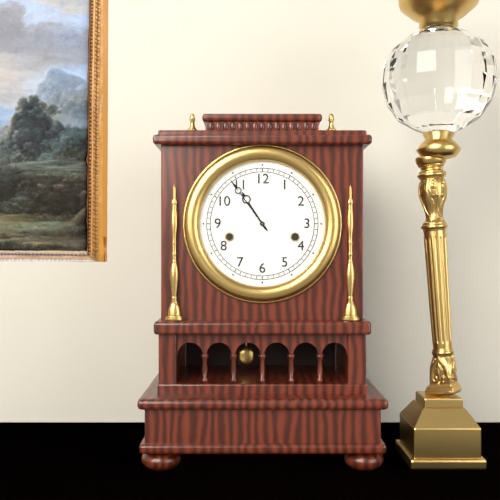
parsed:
10:54
